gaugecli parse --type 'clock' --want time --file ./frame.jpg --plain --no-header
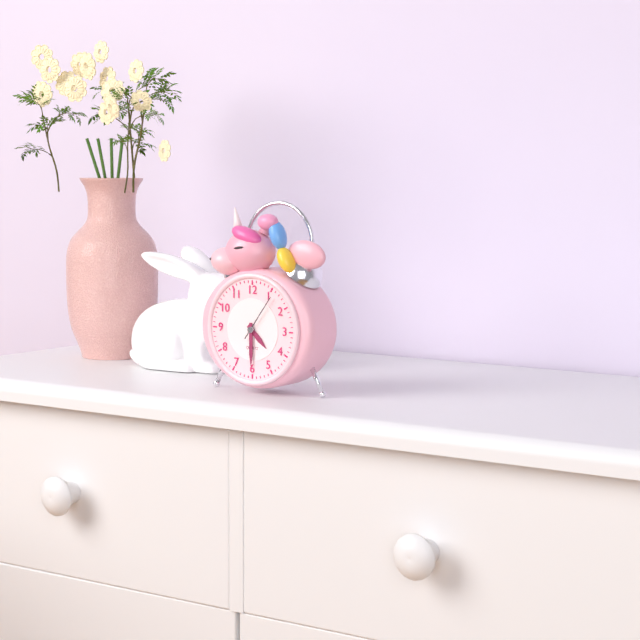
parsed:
4:30
